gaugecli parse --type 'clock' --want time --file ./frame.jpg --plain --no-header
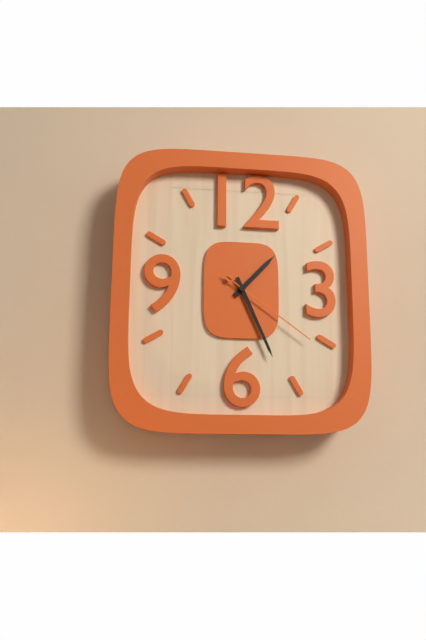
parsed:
1:26:21
